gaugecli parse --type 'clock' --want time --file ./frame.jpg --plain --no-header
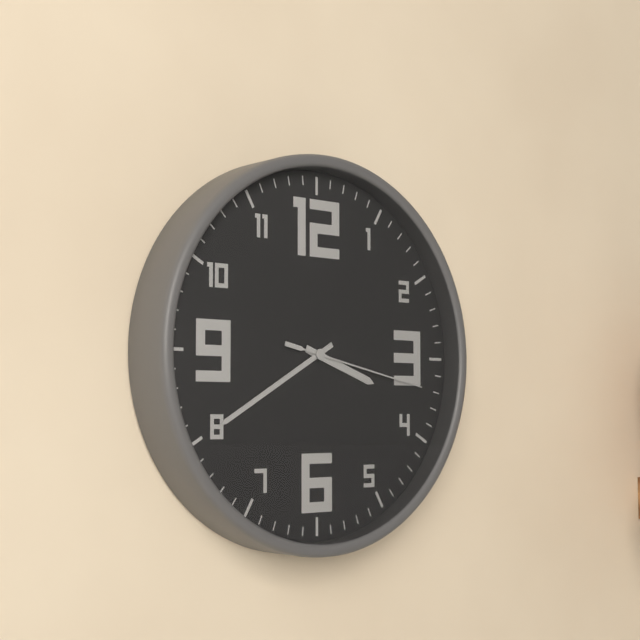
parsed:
3:40:17
